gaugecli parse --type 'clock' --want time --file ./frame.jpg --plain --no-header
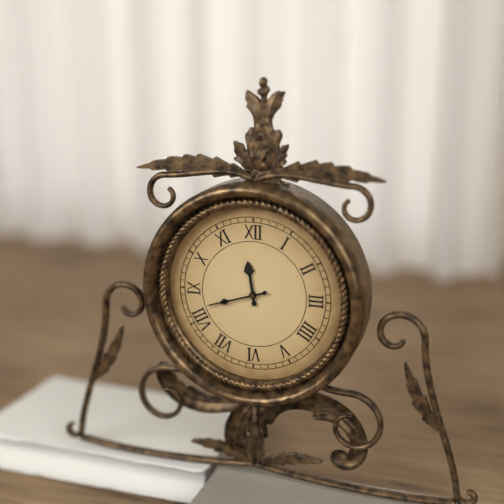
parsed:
11:42
